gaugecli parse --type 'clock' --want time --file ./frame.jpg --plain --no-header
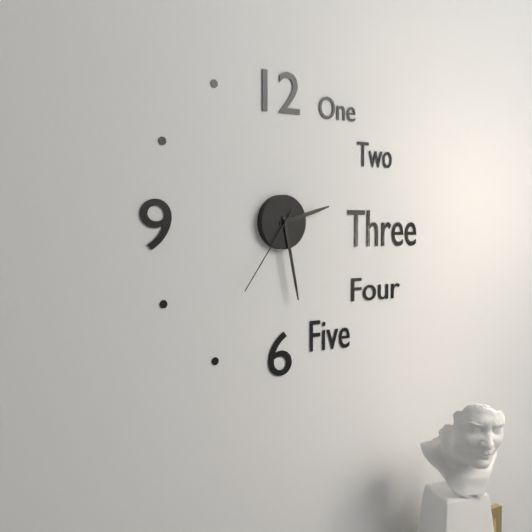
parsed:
2:28:36
